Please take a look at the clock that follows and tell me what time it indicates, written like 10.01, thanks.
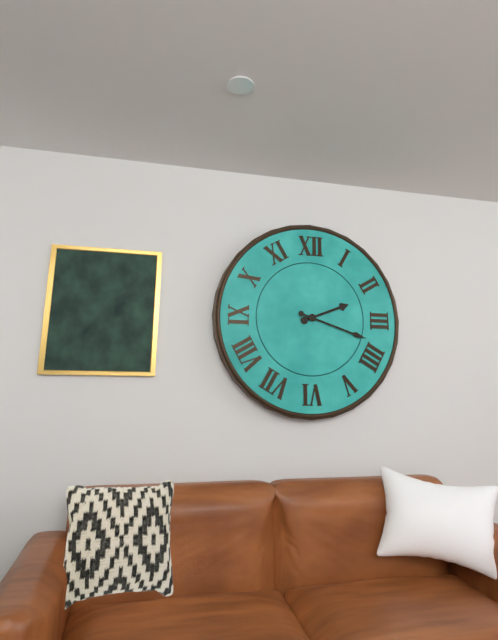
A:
2.18
